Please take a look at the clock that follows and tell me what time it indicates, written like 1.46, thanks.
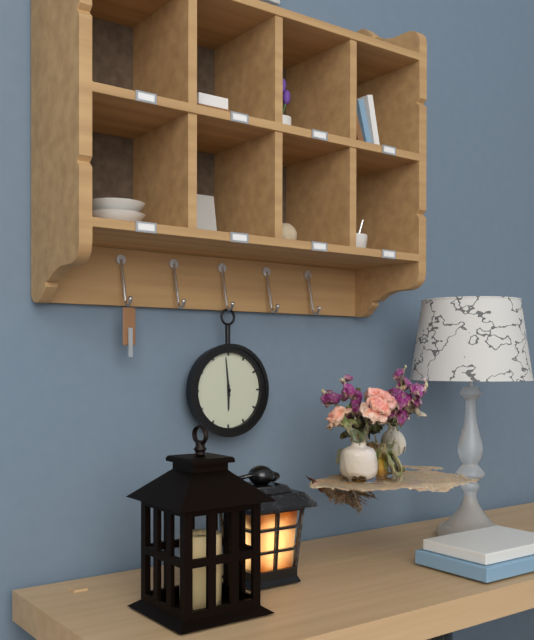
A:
5.59
